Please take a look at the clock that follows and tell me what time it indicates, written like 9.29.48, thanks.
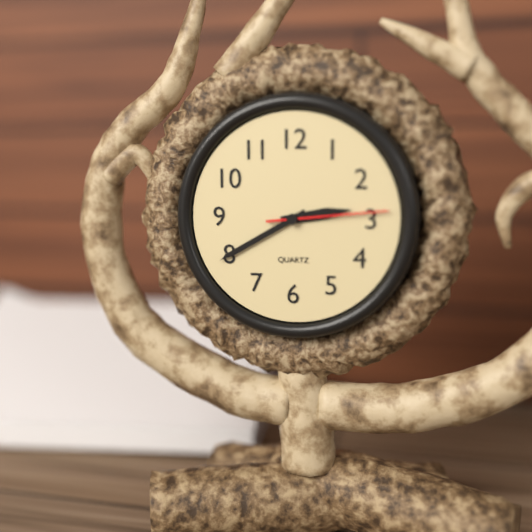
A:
2.40.14
